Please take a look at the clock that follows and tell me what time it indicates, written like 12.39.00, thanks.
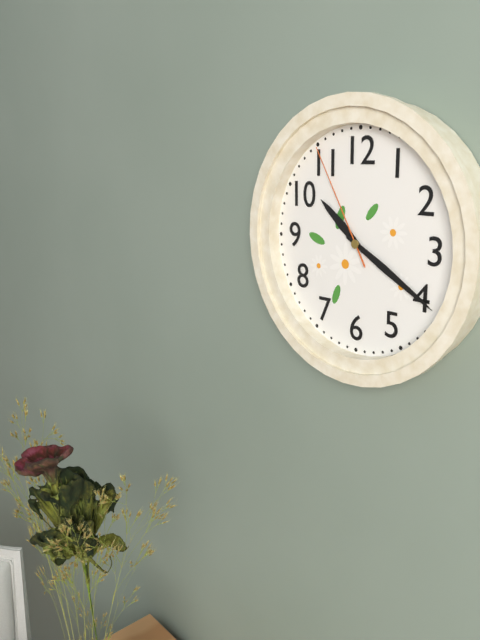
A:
10.20.55
